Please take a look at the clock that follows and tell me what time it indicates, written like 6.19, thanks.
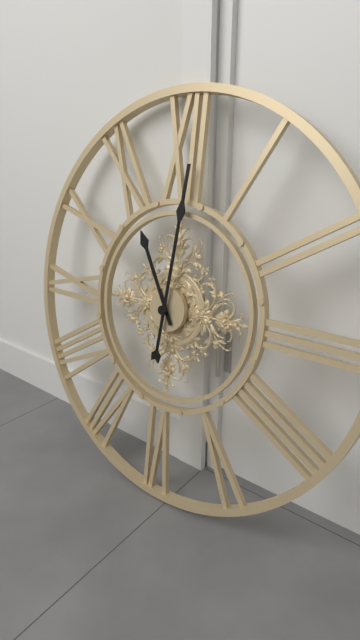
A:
11.01
